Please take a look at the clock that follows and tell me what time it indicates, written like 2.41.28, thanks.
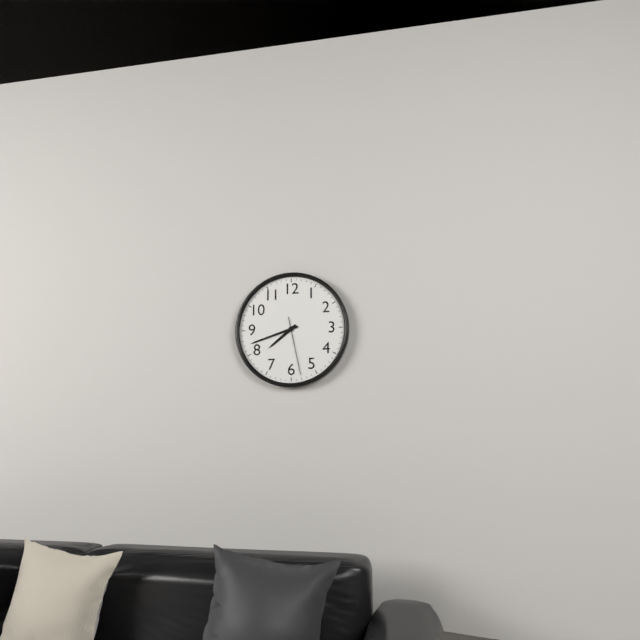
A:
7.42.28
